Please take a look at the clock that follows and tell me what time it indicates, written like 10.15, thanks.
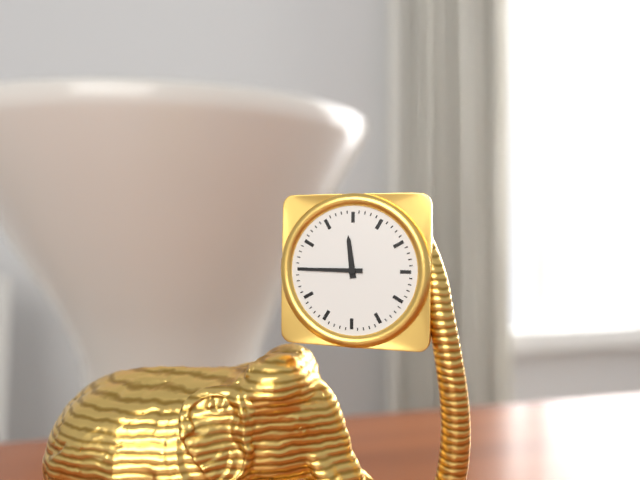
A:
11.45
